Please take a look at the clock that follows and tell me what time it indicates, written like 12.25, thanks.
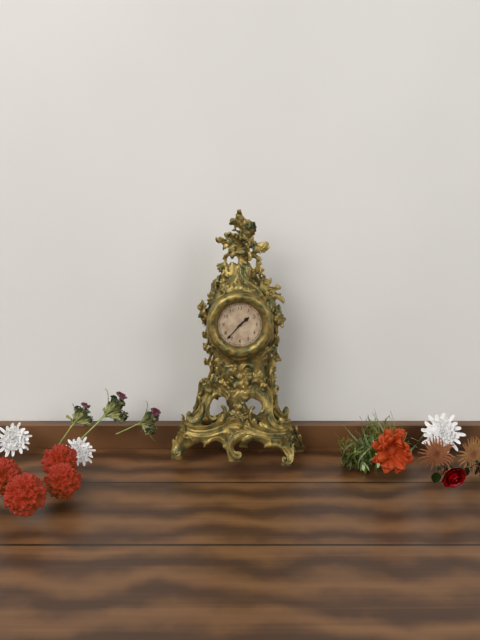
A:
1.37
